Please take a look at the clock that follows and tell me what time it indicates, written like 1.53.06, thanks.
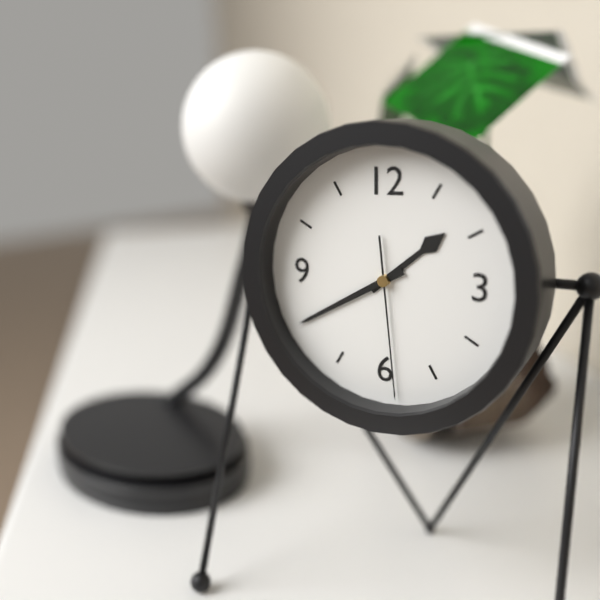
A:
1.40.29
